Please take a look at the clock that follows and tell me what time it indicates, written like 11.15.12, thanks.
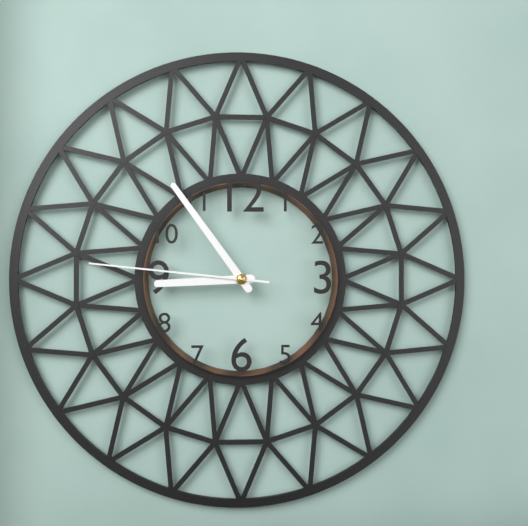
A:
8.54.46
